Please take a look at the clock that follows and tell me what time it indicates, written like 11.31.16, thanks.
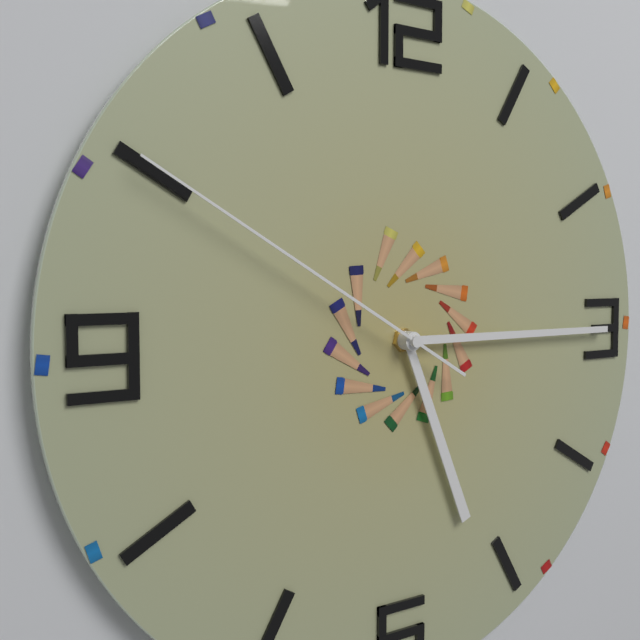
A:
5.15.50
